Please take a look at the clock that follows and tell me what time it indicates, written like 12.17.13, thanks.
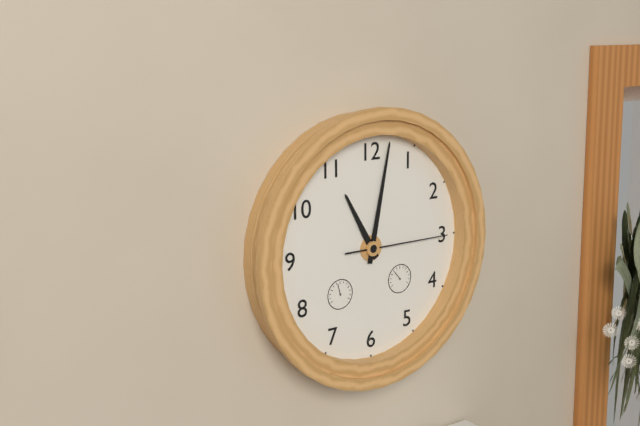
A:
11.02.15
